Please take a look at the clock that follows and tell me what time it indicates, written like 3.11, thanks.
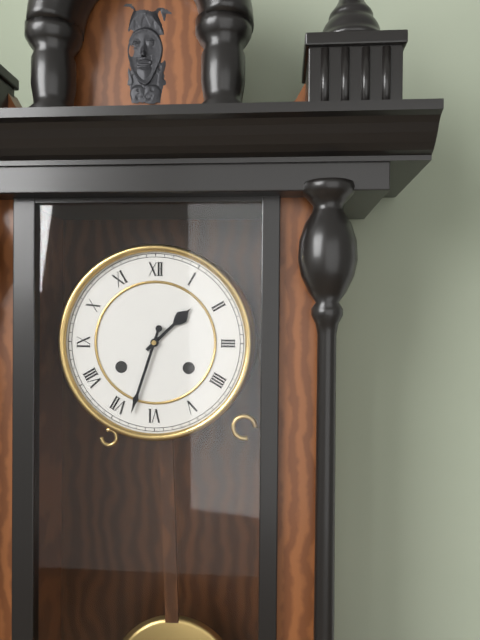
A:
1.33
